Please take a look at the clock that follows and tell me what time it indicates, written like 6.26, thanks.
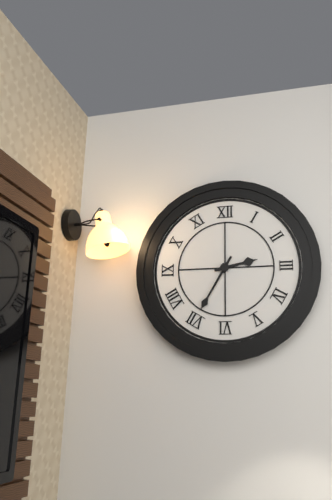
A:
2.35
